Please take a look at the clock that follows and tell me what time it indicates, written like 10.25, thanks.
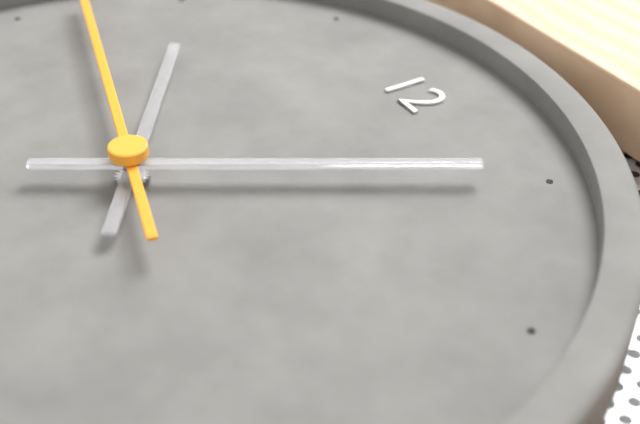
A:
10.05
